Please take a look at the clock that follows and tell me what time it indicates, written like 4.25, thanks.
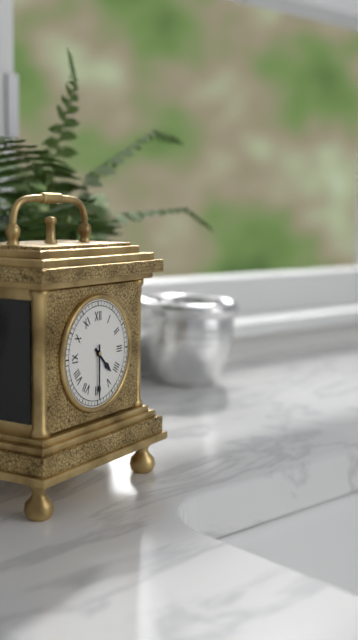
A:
4.30
